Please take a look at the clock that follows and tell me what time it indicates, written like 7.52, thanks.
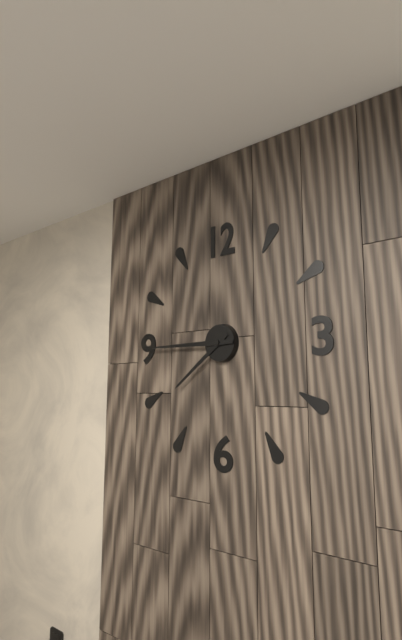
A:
7.45
